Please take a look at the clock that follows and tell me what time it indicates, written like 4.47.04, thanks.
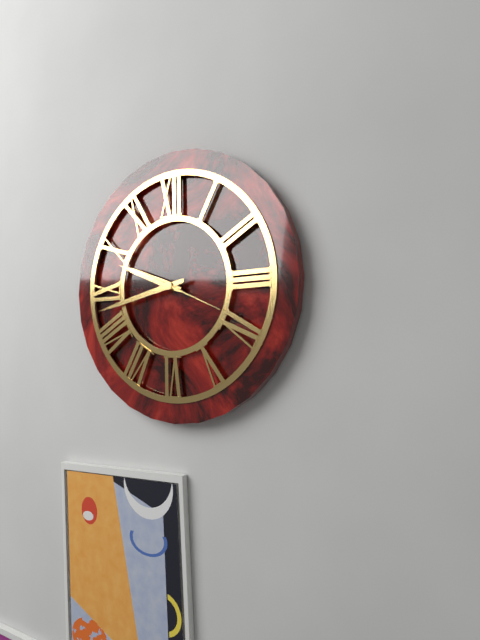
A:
9.43.19
